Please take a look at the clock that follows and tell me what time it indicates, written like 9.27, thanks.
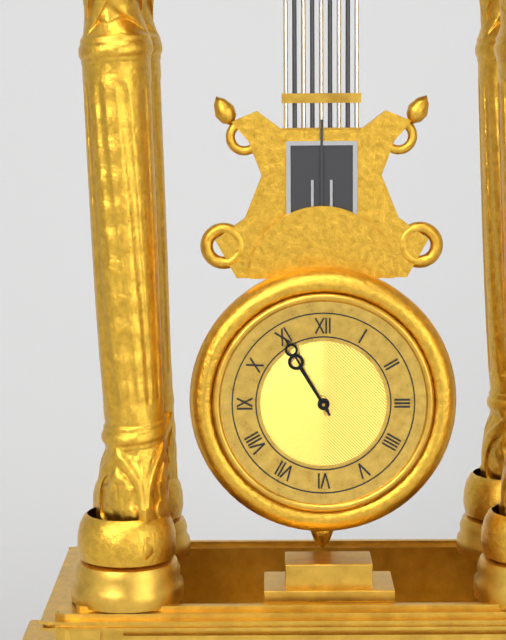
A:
10.55
